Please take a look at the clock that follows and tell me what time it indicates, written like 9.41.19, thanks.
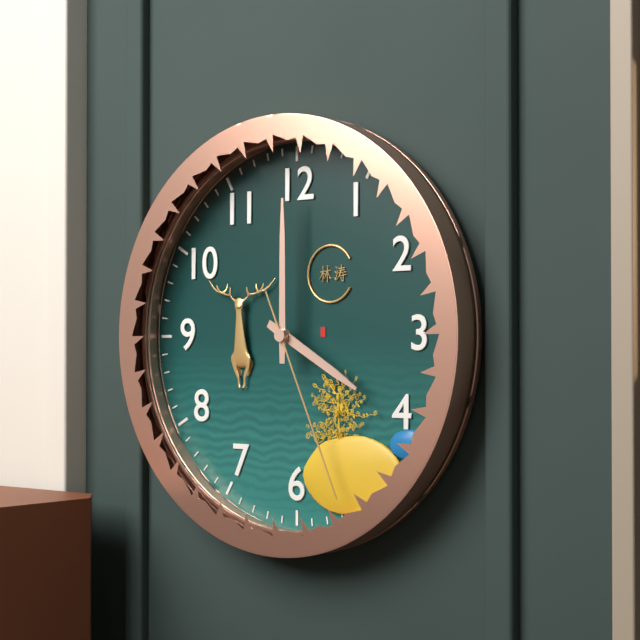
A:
4.00.26
